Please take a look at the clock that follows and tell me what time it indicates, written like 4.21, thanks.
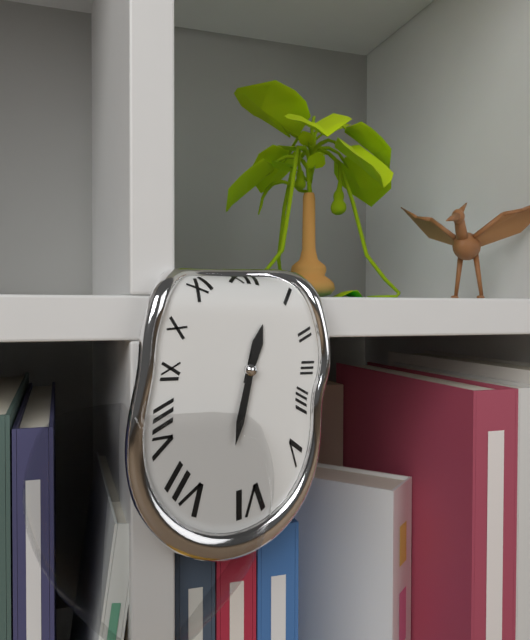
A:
12.32
